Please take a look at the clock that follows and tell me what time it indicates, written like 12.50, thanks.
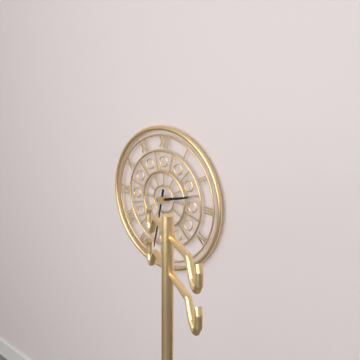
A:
2.32
